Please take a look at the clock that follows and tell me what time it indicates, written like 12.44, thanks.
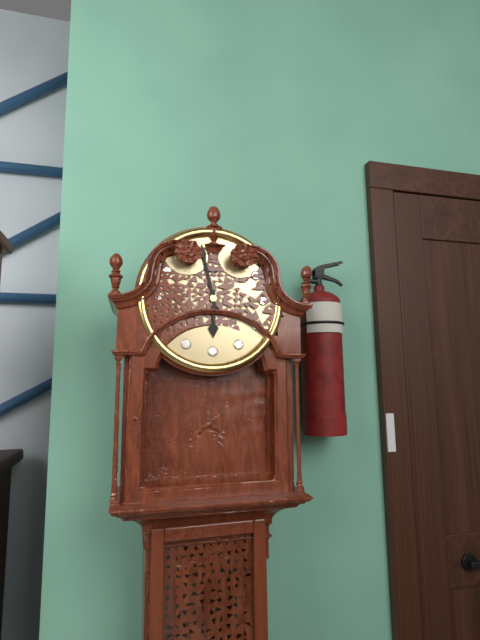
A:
5.58
